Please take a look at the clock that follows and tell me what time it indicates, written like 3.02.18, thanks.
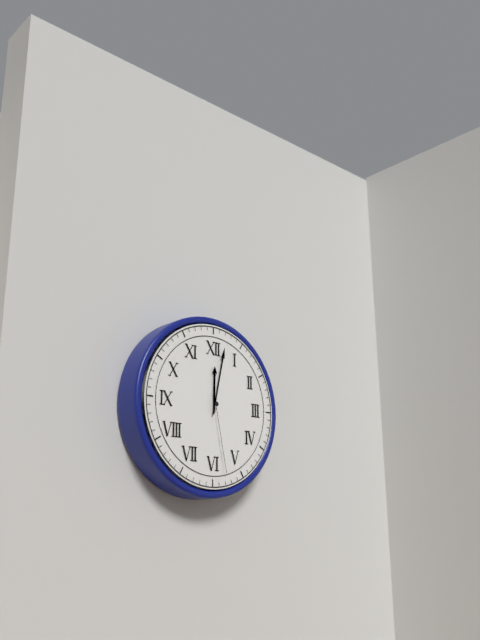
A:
12.02.28
